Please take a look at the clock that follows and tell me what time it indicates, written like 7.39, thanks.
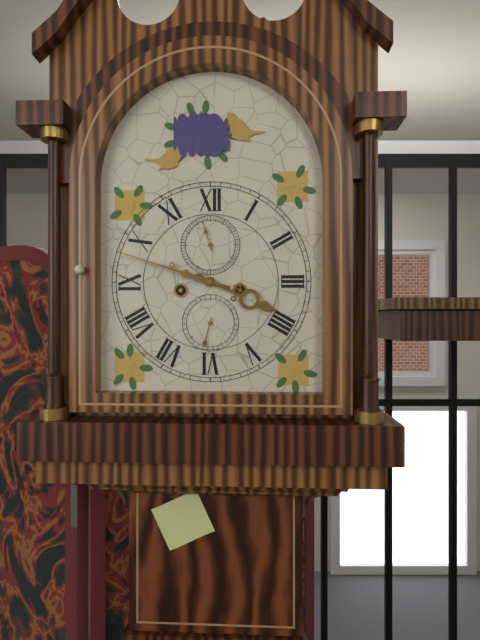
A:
3.48
